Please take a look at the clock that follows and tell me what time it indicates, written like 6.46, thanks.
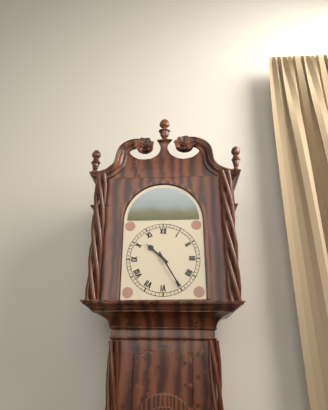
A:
10.25
